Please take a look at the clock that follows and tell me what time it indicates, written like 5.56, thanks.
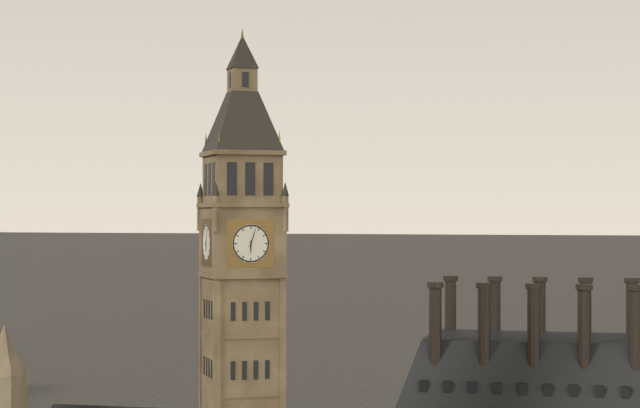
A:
6.03
